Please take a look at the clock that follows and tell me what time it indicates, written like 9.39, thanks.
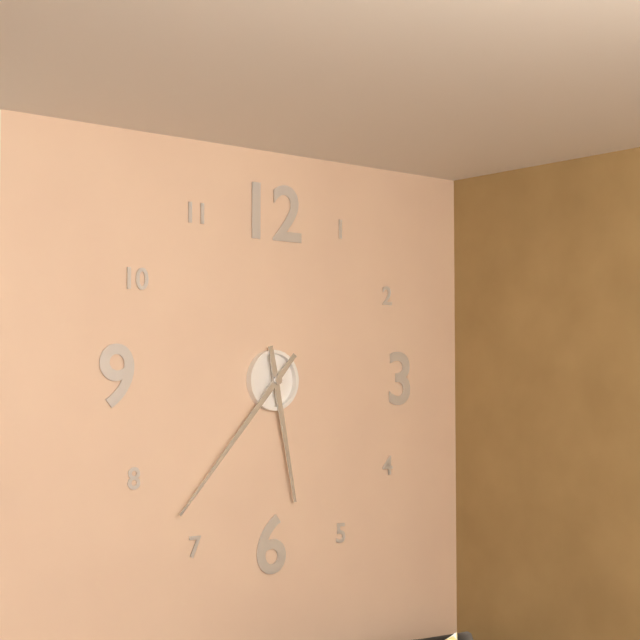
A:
5.37
